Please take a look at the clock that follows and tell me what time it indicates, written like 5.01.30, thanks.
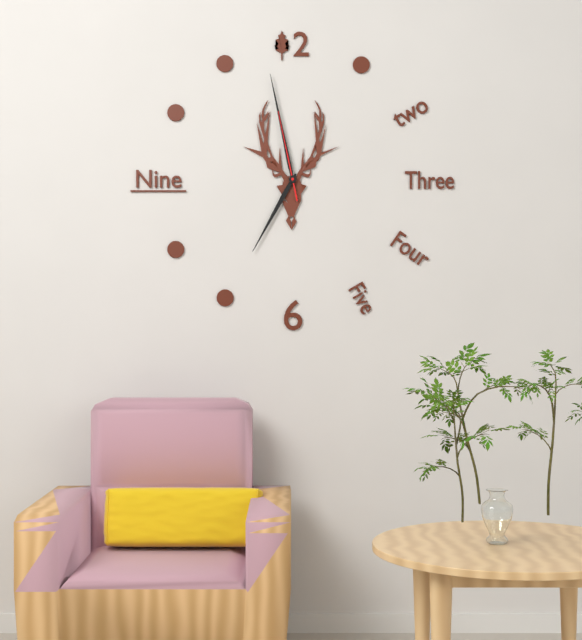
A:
6.58.58
